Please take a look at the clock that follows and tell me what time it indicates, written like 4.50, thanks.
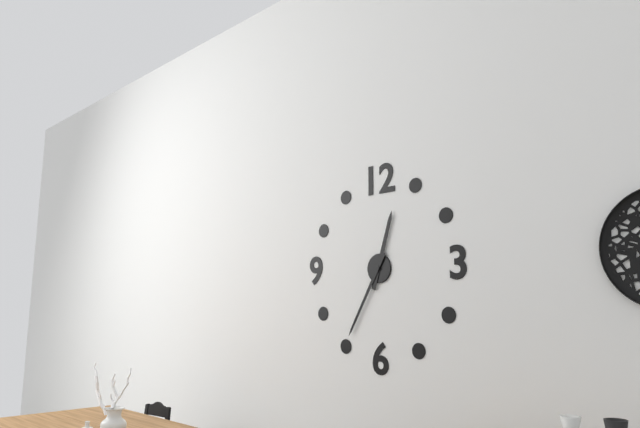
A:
12.35
